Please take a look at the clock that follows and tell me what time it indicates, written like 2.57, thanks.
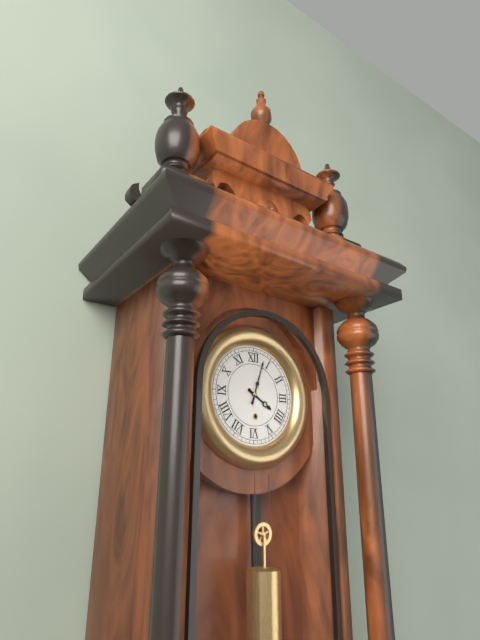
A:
4.03
